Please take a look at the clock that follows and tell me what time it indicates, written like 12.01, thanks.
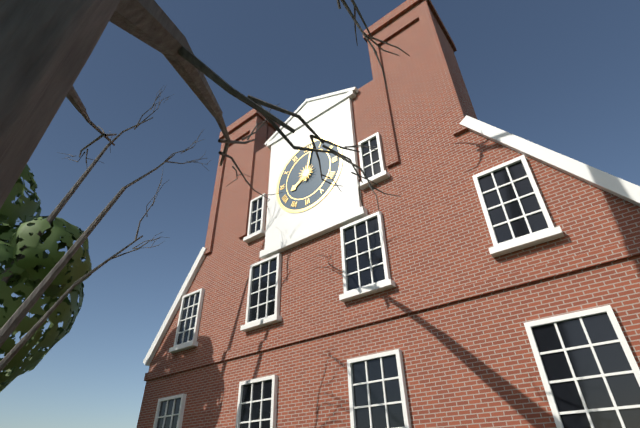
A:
8.02
